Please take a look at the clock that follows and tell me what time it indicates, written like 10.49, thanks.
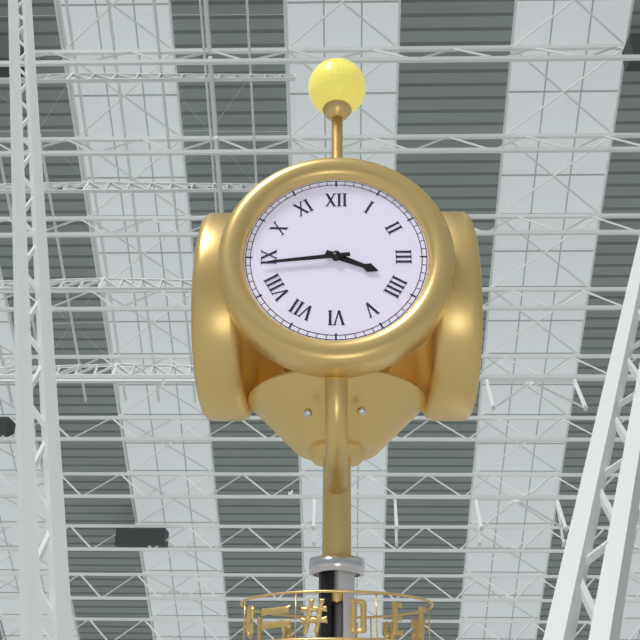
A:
3.44
